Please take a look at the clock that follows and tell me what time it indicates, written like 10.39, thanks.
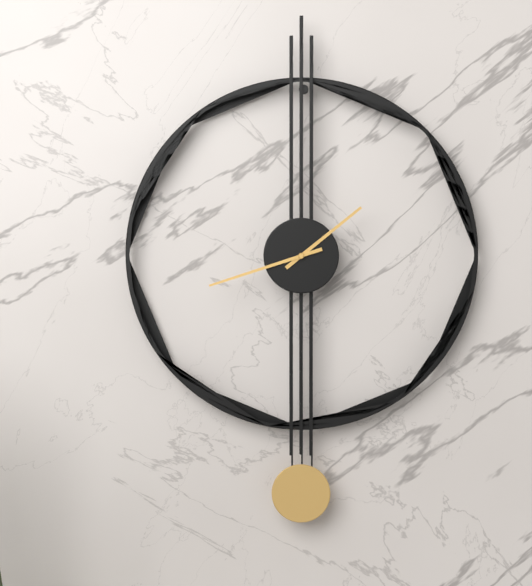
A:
1.42
